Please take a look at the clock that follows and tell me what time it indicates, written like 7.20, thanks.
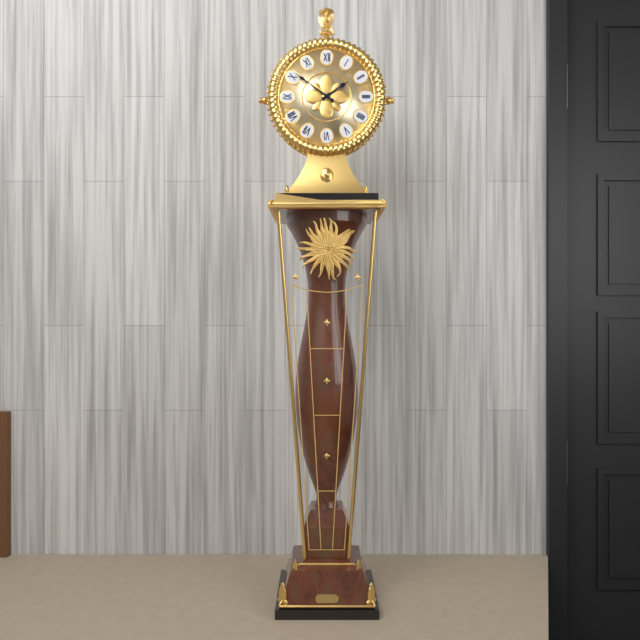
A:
1.51
